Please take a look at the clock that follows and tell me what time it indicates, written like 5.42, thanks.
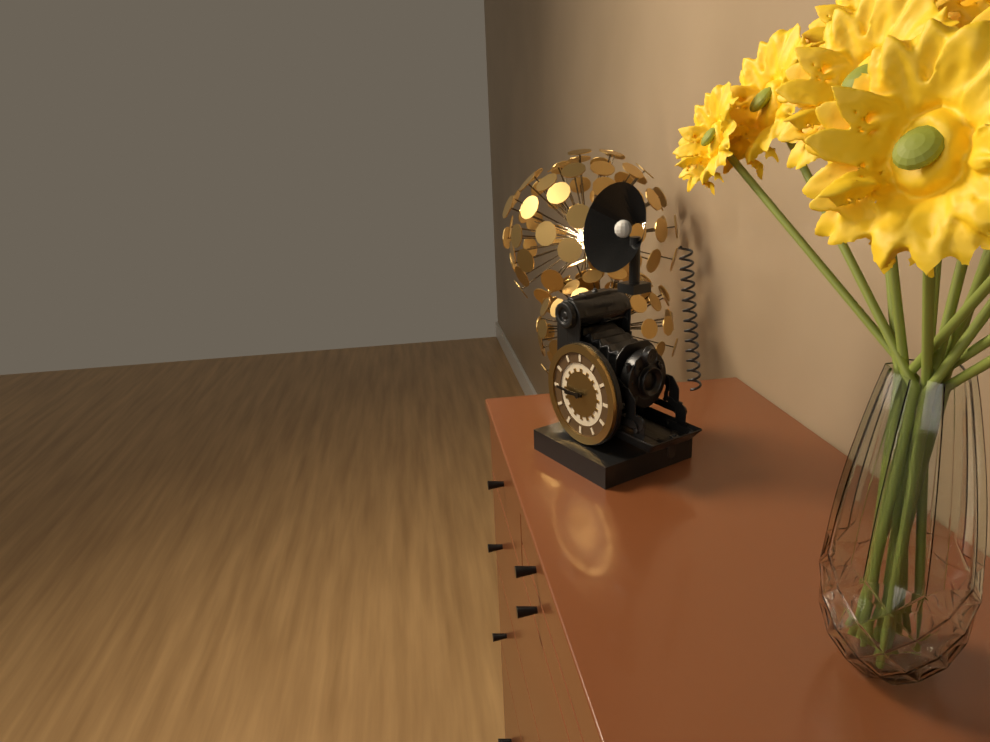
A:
8.45
